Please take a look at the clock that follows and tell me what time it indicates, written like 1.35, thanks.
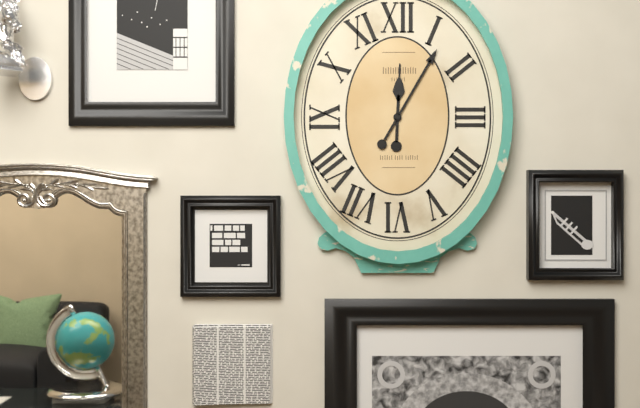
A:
12.05
